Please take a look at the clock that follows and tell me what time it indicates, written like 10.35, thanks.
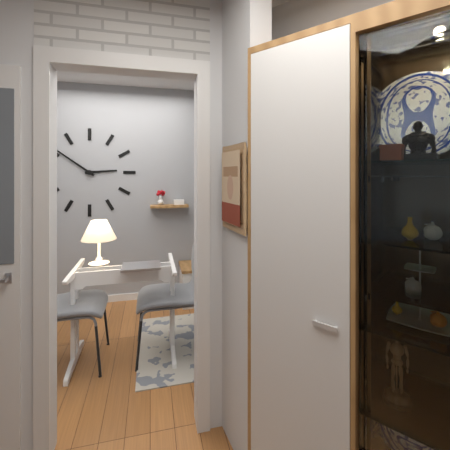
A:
2.51
